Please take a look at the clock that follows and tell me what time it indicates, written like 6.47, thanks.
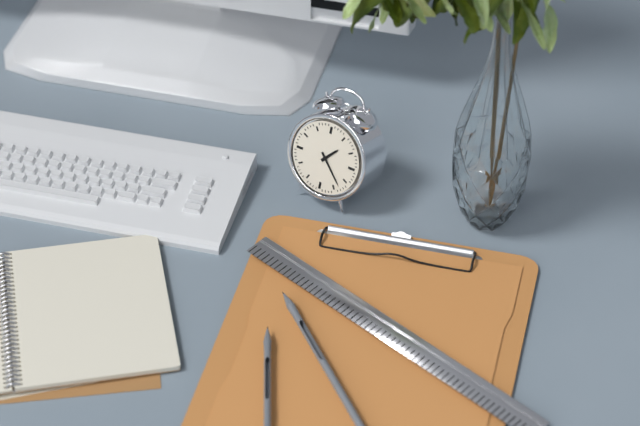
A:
1.23
